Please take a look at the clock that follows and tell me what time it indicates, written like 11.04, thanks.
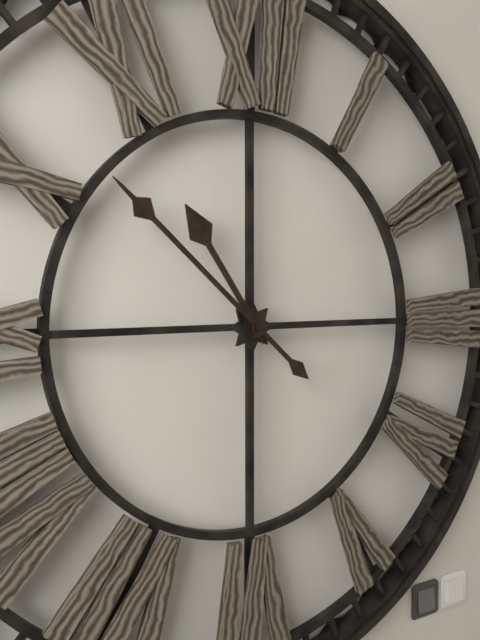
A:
10.52
